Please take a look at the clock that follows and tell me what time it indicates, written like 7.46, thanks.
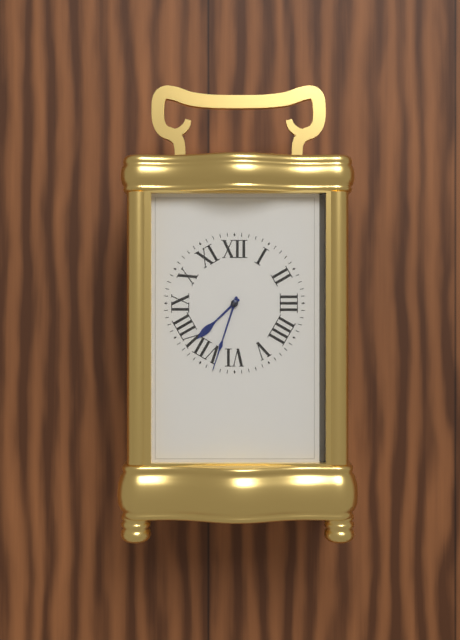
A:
7.33
